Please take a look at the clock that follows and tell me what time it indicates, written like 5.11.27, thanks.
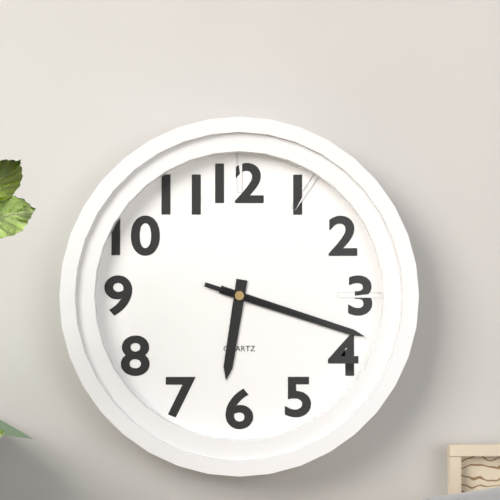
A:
6.18.18
